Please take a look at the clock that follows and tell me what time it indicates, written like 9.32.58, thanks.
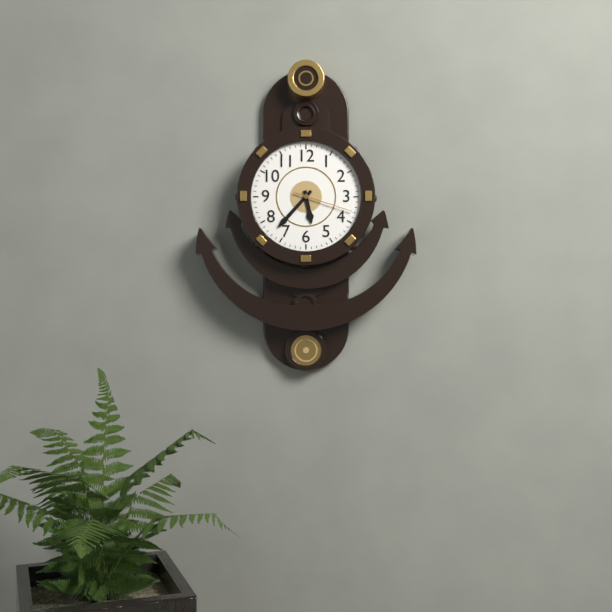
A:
5.37.18
